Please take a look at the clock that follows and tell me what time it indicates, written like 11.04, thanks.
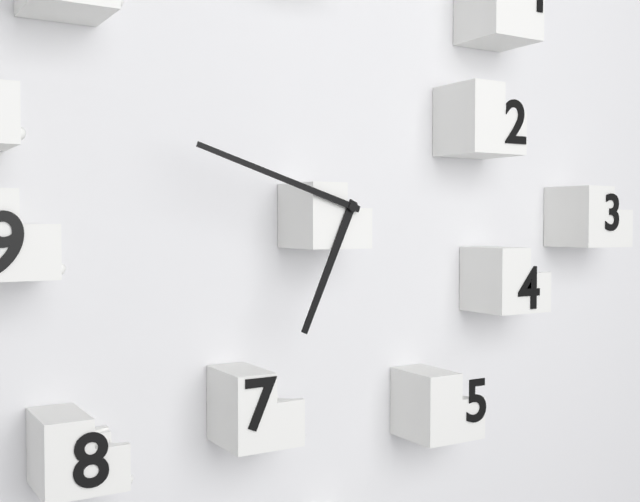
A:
6.48
